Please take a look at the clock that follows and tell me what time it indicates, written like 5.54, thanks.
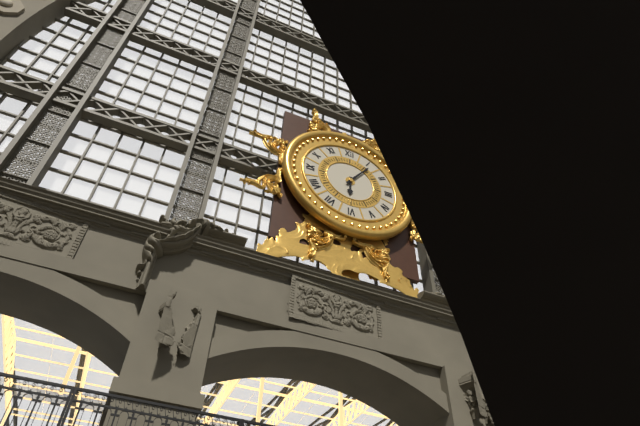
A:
6.06
